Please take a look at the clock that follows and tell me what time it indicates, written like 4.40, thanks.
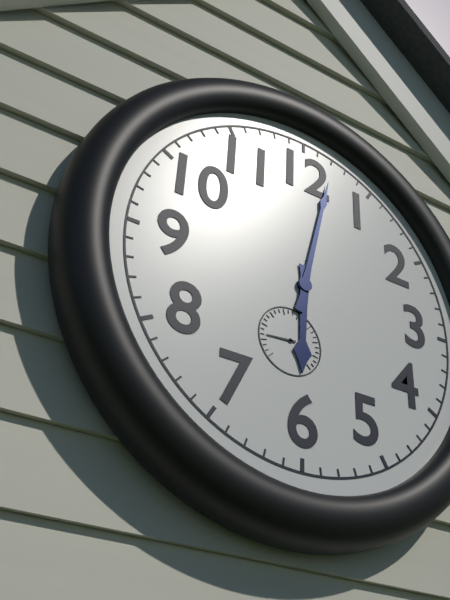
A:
6.02
